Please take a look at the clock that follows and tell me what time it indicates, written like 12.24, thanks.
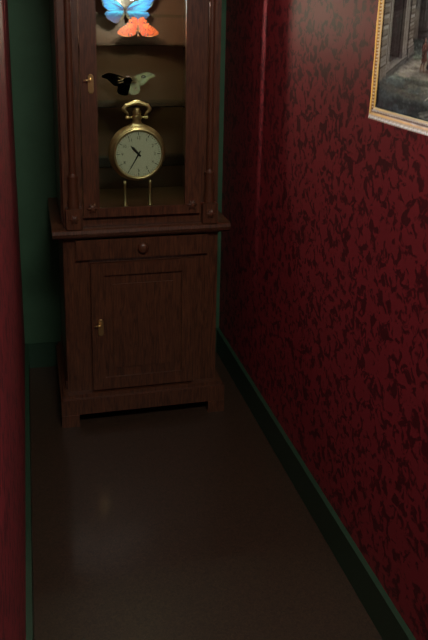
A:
10.35
